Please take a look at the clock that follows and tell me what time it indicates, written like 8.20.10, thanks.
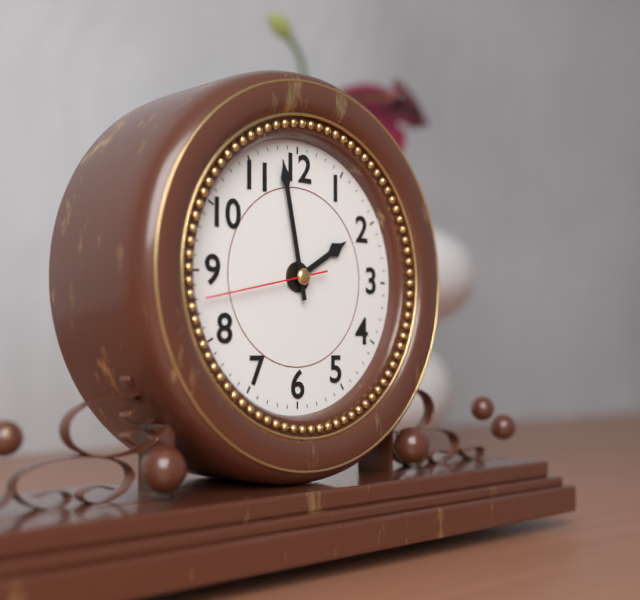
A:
1.58.43
